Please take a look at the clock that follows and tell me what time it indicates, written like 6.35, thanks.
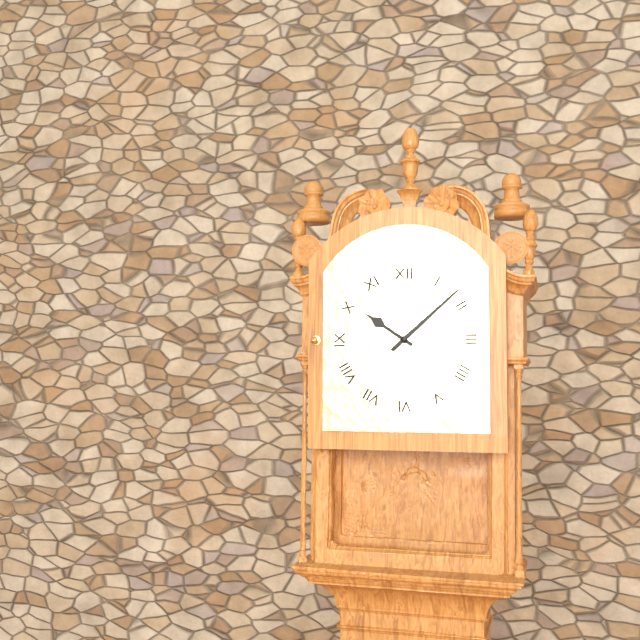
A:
10.08
